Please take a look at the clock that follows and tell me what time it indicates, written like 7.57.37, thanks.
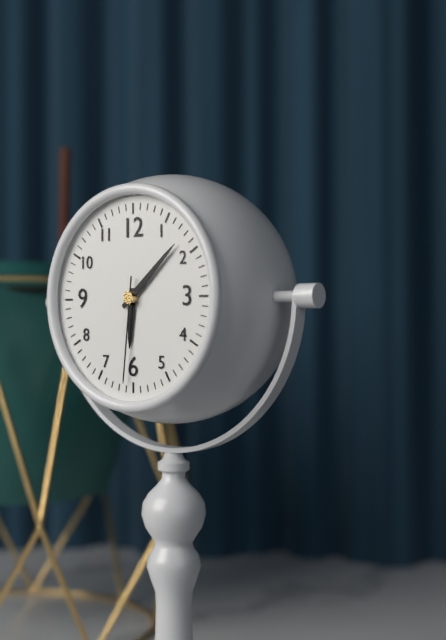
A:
6.08.31
